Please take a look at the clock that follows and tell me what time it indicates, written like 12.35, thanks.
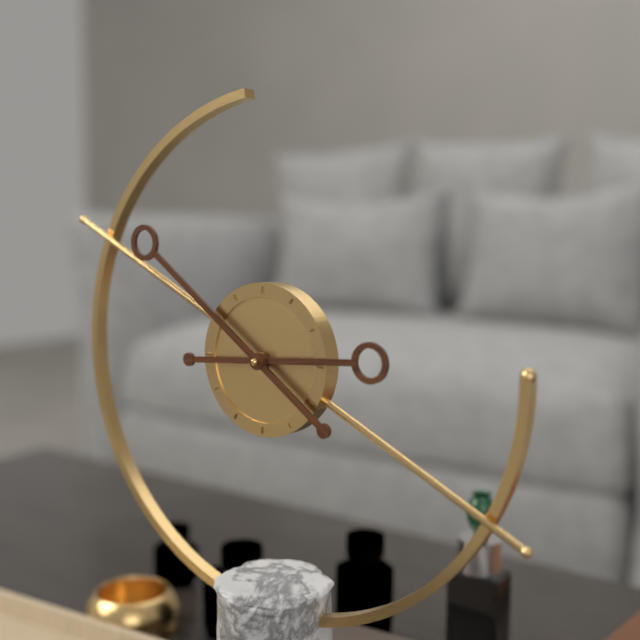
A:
2.51
